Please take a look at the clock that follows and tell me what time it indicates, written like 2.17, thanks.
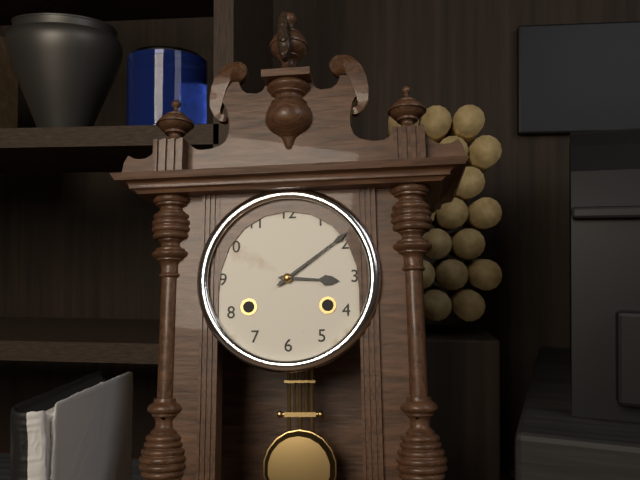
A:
3.09
